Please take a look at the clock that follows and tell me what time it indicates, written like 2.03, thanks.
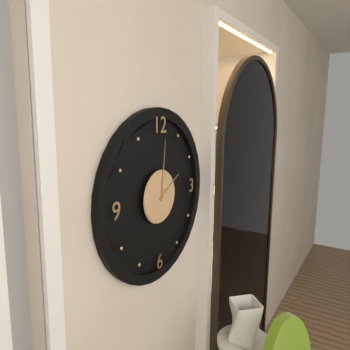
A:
2.01
